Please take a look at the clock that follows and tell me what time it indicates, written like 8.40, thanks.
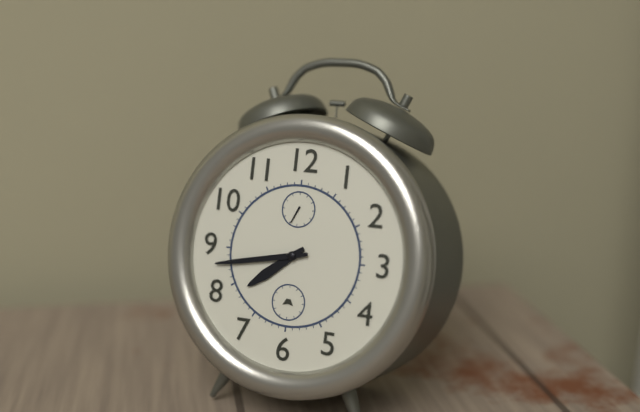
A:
7.43
